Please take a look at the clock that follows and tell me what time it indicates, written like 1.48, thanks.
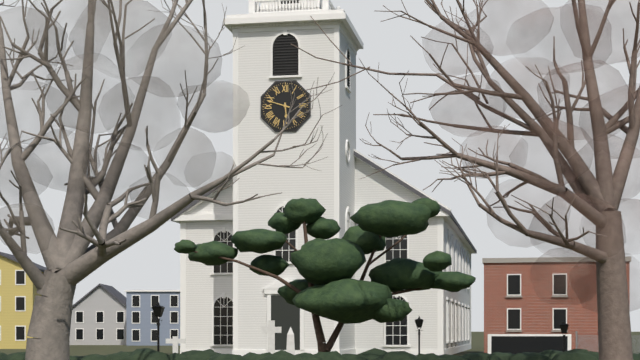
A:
5.48
